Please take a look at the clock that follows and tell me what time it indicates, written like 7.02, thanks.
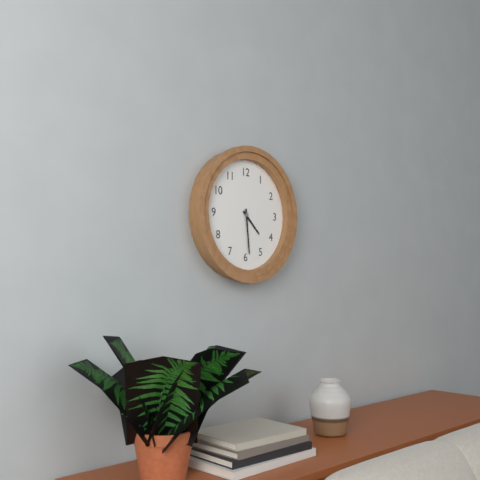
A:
4.29
